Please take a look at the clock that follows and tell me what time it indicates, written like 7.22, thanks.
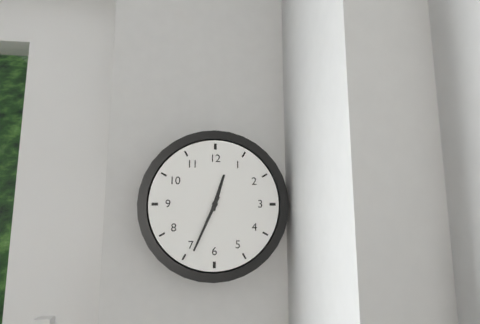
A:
12.34
